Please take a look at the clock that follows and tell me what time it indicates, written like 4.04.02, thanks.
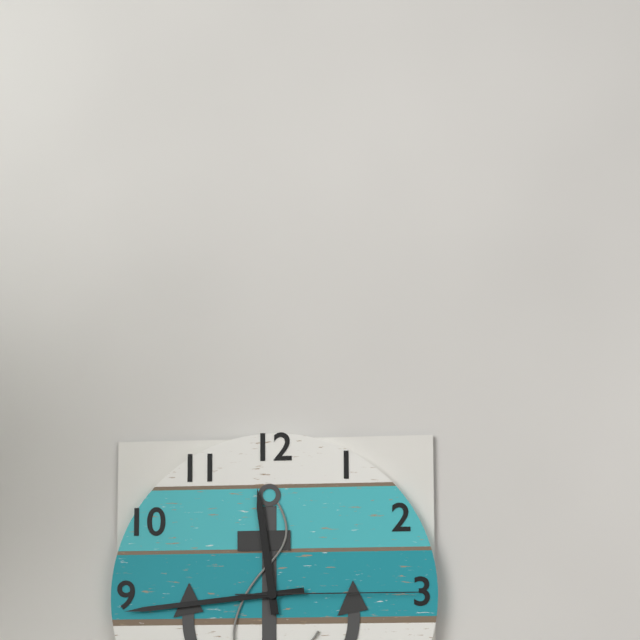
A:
11.44.15
